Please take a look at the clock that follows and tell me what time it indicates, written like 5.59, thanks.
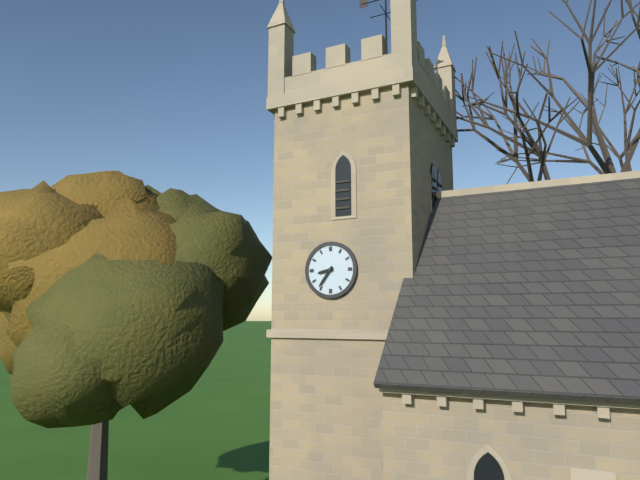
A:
8.36
